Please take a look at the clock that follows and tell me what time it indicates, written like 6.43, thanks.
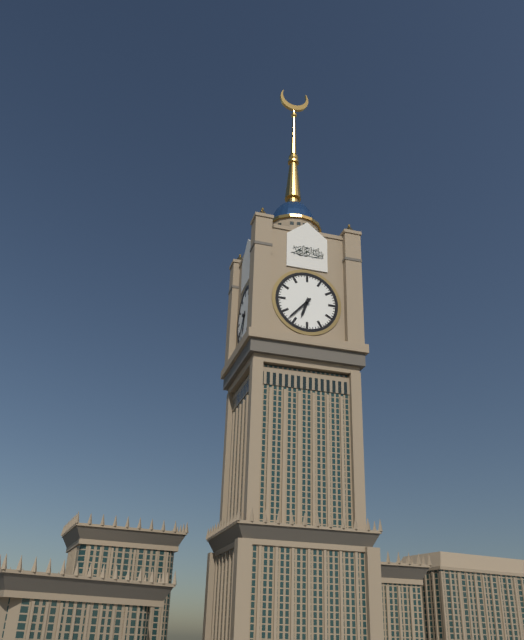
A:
6.37
